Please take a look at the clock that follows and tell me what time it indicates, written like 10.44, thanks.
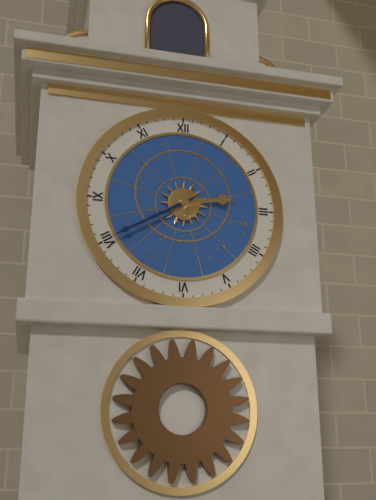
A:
2.40
